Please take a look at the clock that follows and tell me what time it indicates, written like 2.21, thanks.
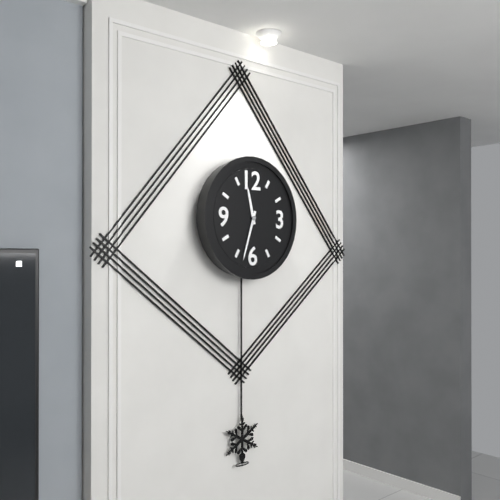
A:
11.33
